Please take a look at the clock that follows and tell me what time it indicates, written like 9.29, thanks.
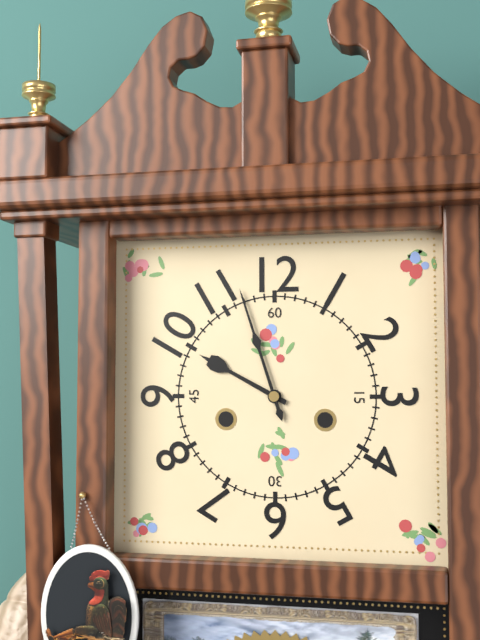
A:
9.57
